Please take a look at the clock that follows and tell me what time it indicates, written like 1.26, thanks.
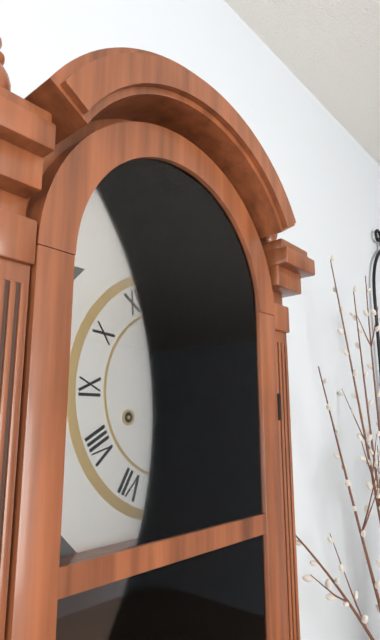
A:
12.15
